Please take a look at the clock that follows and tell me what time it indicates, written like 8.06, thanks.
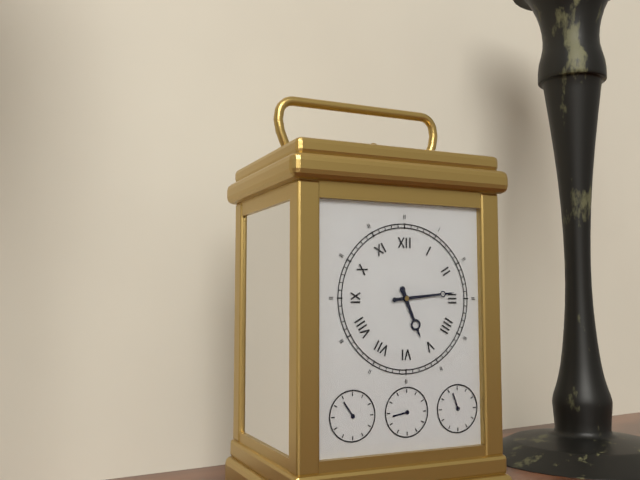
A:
5.14
